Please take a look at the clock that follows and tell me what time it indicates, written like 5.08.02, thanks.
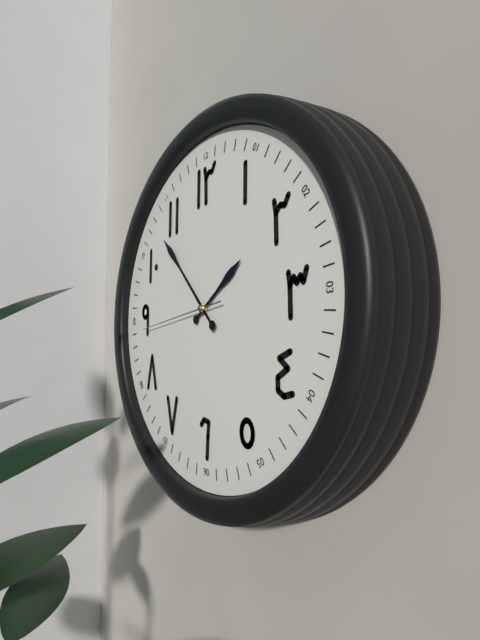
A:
1.53.44
